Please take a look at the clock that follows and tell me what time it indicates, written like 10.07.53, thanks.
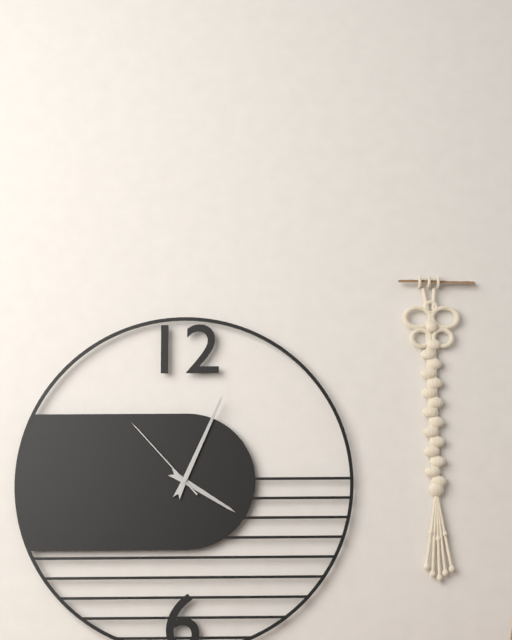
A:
4.04.53
